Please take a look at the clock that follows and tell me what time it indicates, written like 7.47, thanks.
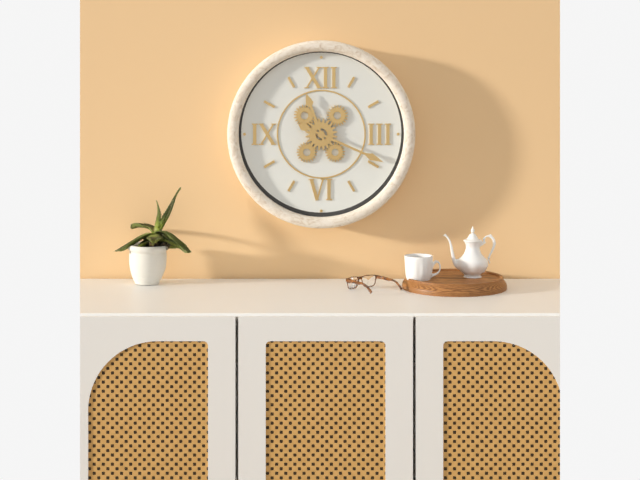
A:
11.19
